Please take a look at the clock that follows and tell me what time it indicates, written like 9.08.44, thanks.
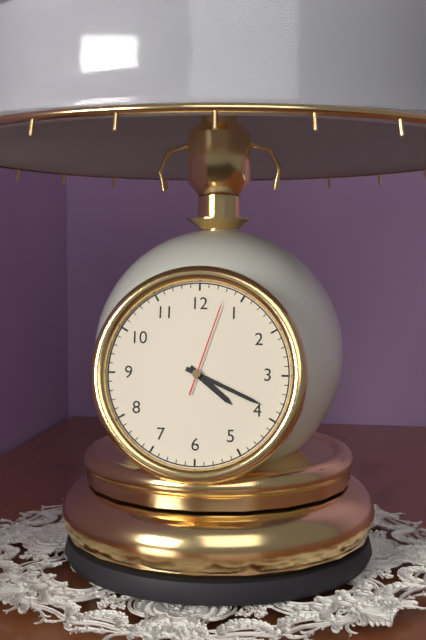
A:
4.19.03
